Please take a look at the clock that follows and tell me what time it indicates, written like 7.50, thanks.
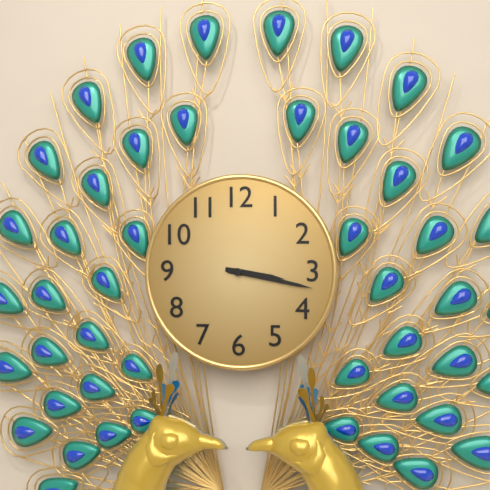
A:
3.17
